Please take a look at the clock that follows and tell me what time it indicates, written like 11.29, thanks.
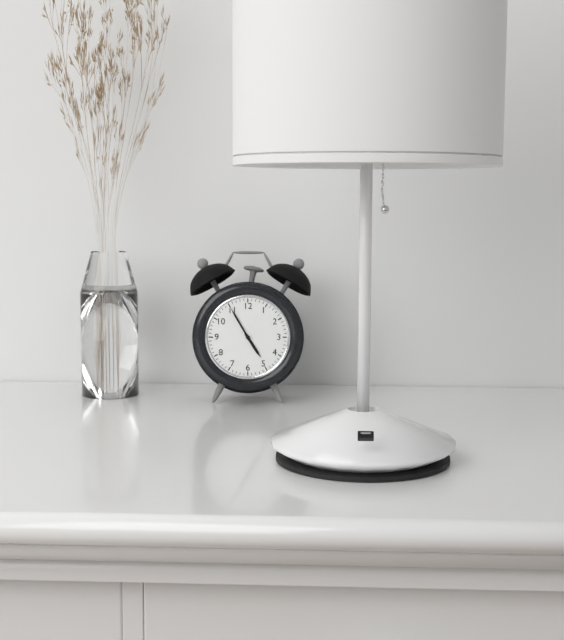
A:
4.55
